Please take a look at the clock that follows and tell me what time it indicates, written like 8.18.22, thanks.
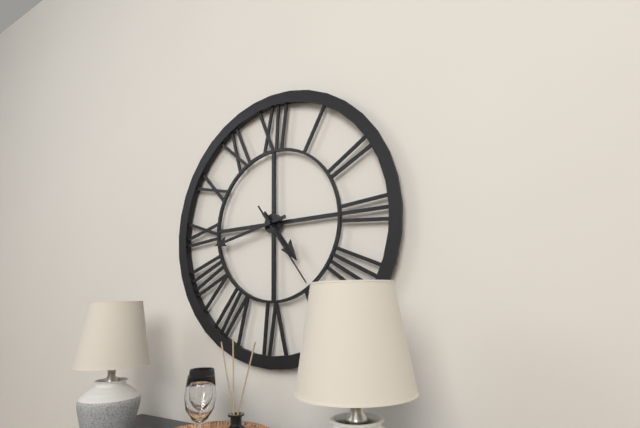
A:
4.43.24
